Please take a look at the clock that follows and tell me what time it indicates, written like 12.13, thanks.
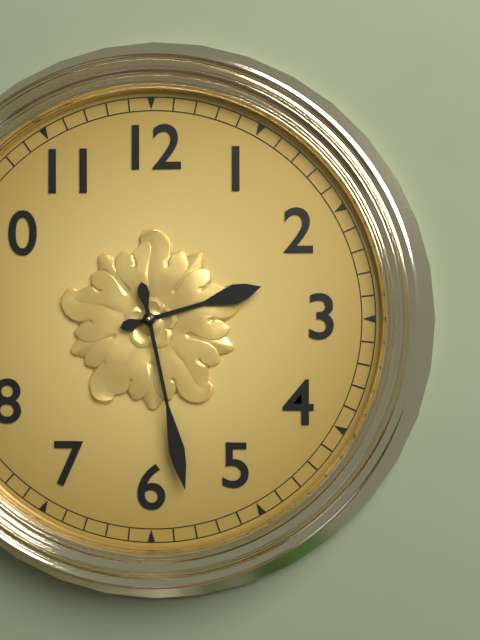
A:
2.28
